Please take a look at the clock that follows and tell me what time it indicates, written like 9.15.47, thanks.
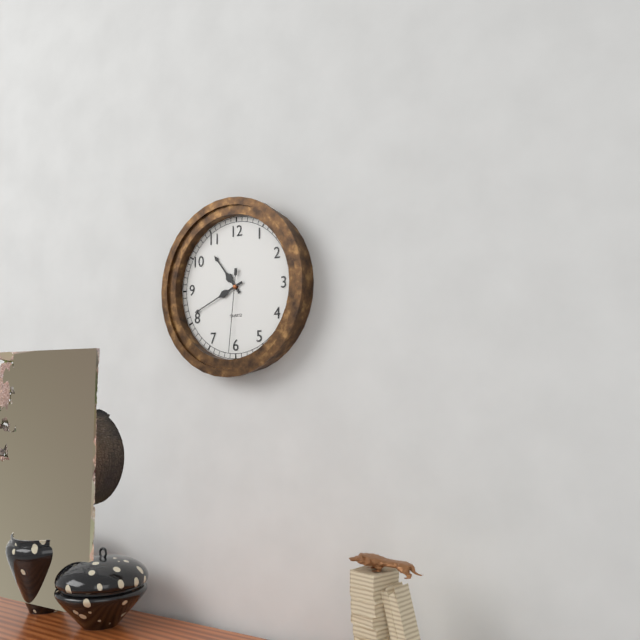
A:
10.41.31
